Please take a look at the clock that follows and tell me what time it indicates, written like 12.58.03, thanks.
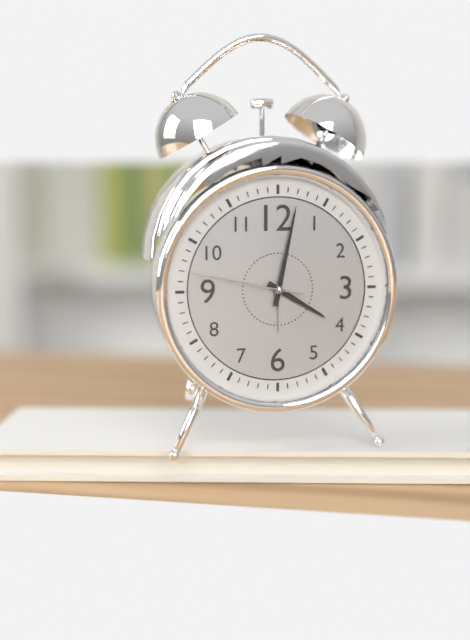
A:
4.02.47
